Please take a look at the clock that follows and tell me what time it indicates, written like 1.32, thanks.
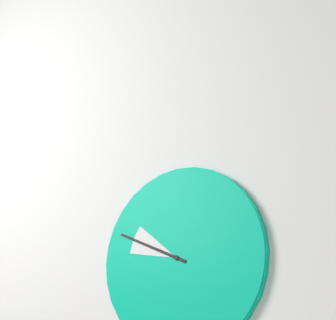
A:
9.49
